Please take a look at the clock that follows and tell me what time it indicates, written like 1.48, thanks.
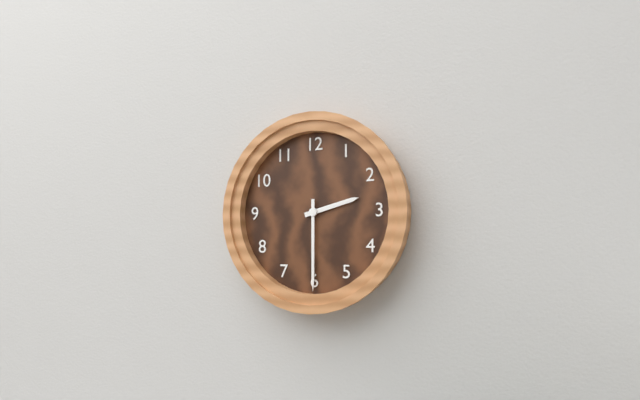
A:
2.30
